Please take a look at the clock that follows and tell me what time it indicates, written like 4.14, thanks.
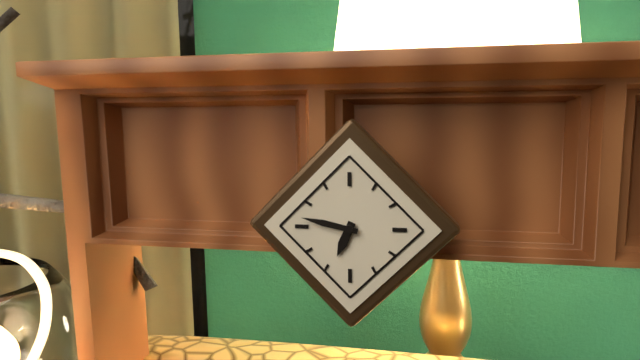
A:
6.47
